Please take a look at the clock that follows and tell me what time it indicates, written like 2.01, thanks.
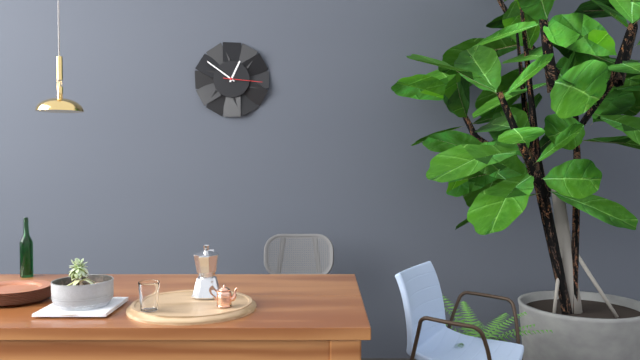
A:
12.51
